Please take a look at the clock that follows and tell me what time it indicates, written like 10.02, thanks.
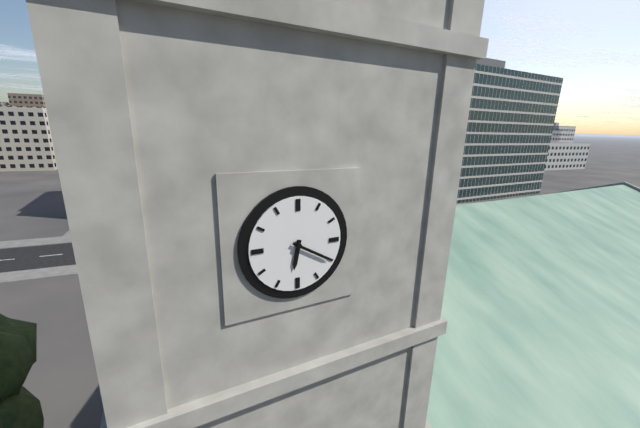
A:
6.20
